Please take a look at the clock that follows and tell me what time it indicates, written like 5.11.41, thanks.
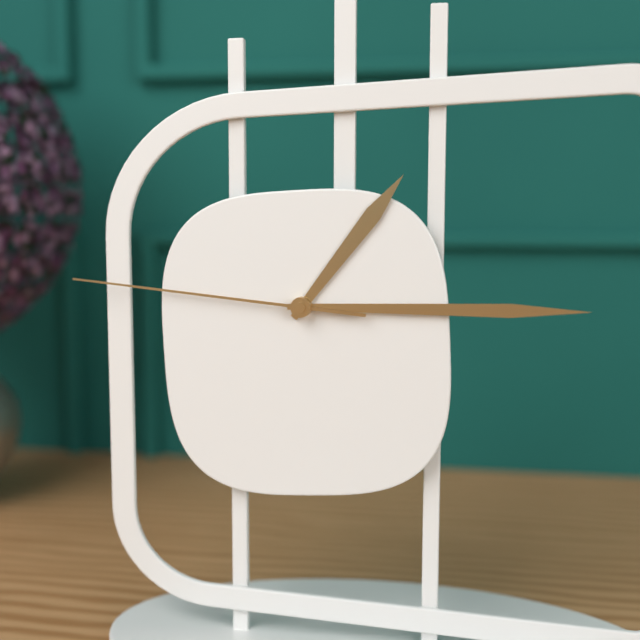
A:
1.15.46
